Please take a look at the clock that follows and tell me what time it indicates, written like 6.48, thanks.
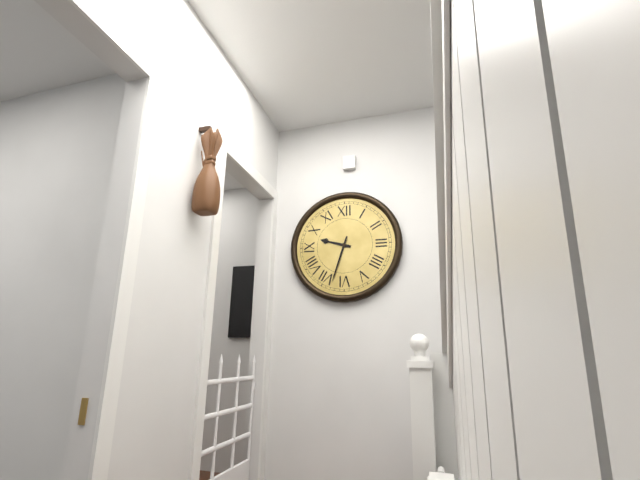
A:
9.33
